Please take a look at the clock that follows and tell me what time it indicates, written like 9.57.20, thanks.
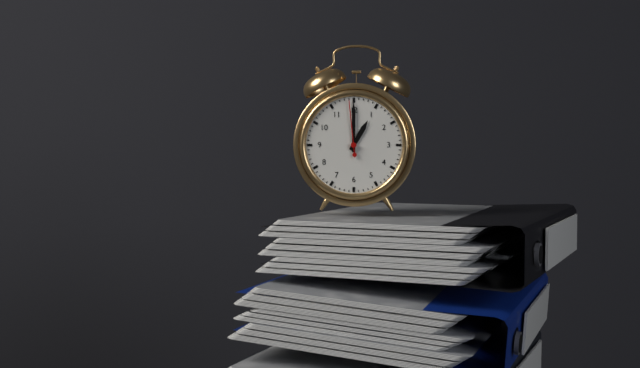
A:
1.00.59
